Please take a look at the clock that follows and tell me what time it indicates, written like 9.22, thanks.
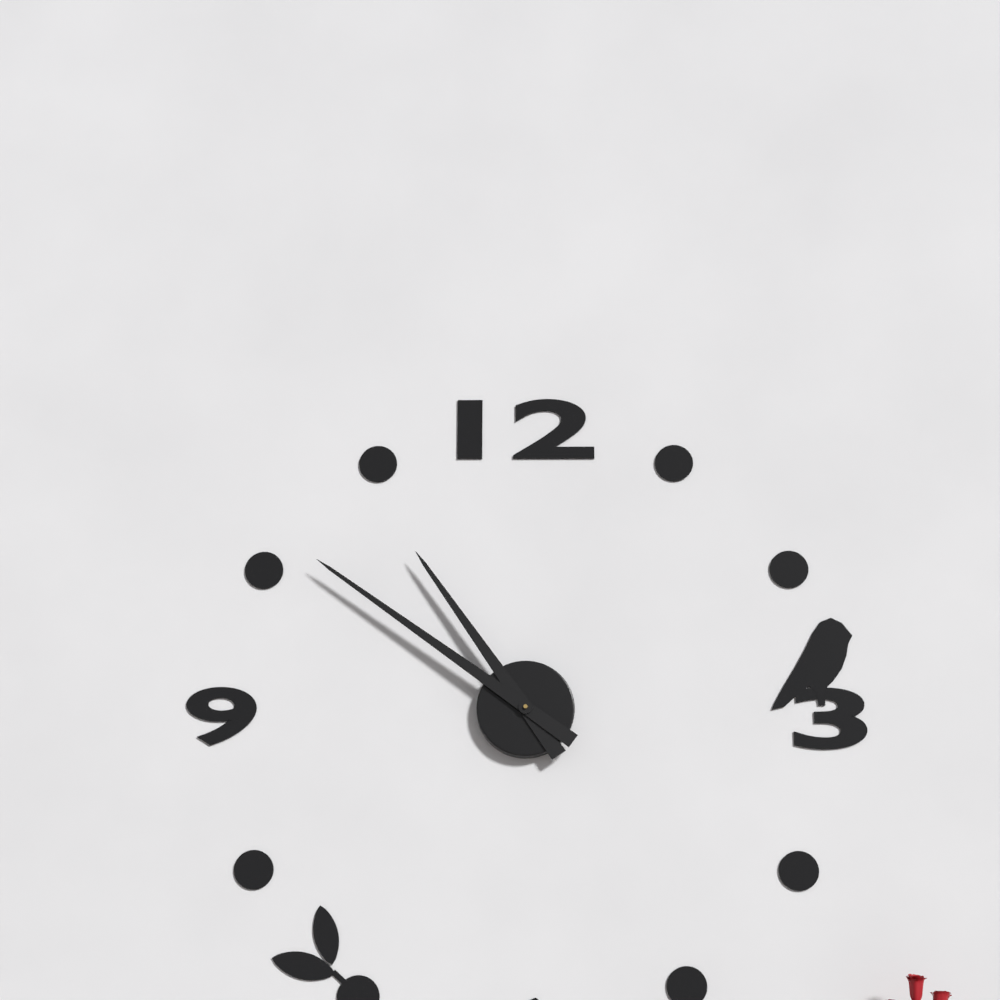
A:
10.51
